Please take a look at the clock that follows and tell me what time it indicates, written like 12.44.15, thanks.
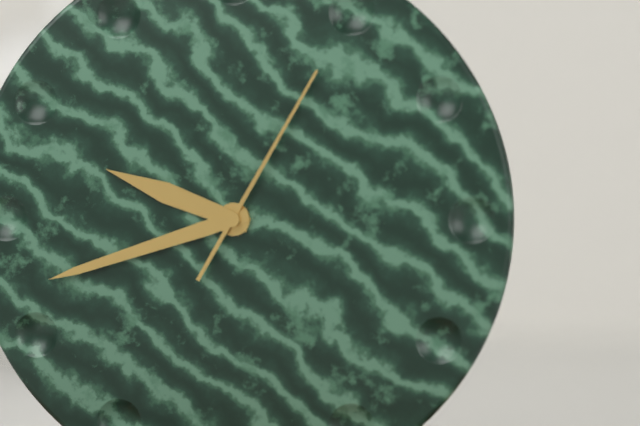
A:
9.42.05
